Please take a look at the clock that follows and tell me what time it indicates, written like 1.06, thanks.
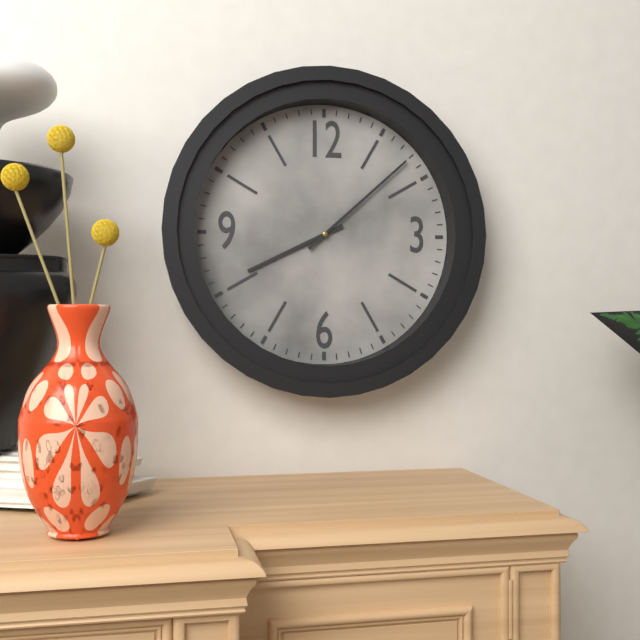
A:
8.08
